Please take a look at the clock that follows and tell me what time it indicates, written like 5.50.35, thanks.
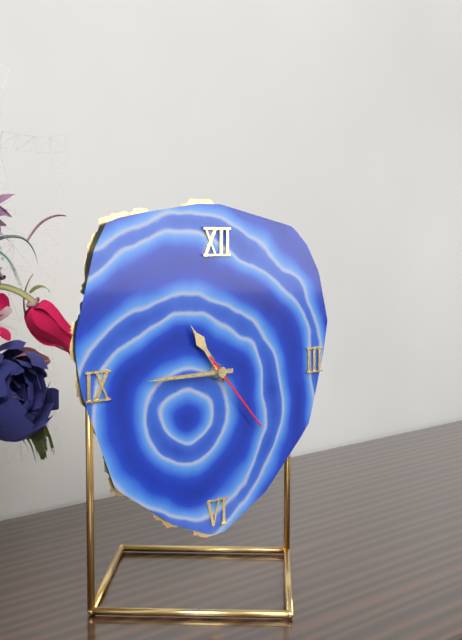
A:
10.45.23
